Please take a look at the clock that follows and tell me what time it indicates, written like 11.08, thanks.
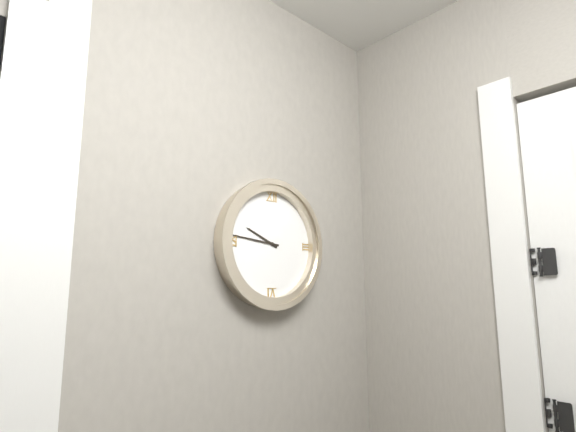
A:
9.46
